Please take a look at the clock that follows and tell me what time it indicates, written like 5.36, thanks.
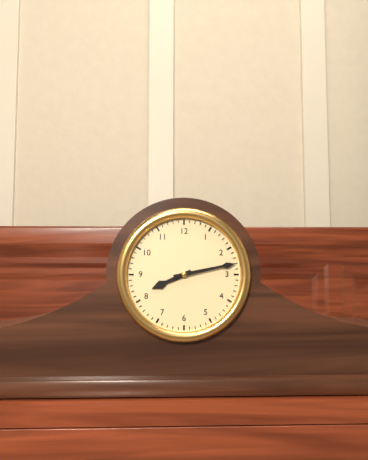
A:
8.13
